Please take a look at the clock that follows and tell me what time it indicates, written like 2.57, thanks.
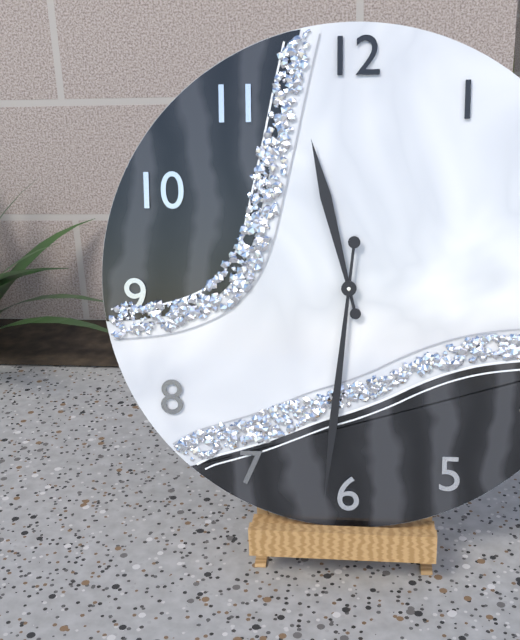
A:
11.31
